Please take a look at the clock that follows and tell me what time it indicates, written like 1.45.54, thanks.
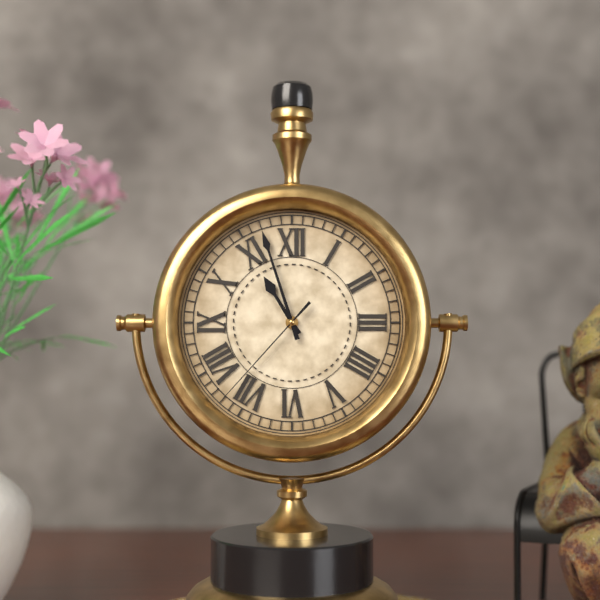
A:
10.57.37
